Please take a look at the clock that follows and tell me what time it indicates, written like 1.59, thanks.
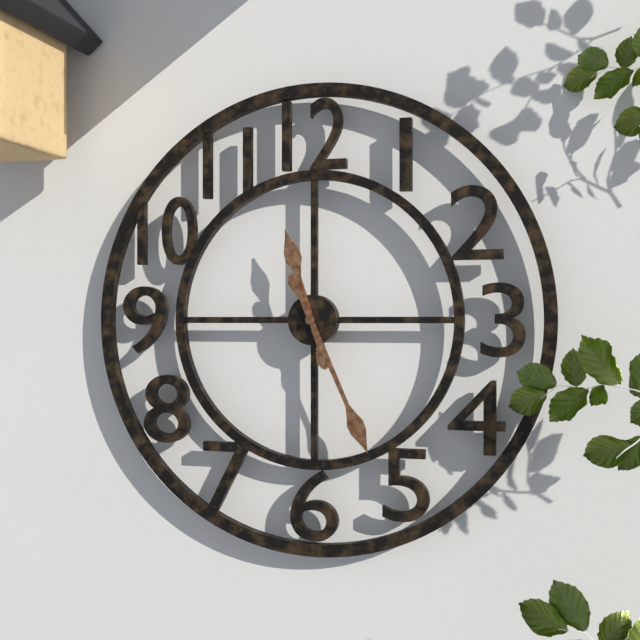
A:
11.26
